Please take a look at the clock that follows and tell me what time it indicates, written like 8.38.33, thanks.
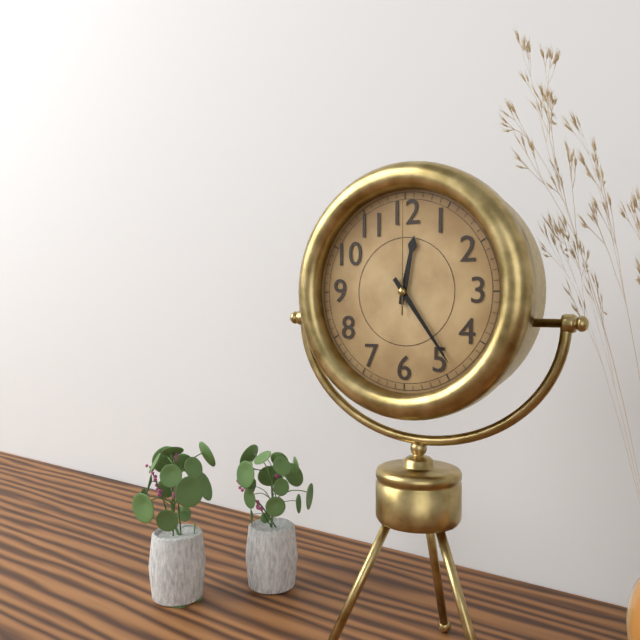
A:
12.24.00
